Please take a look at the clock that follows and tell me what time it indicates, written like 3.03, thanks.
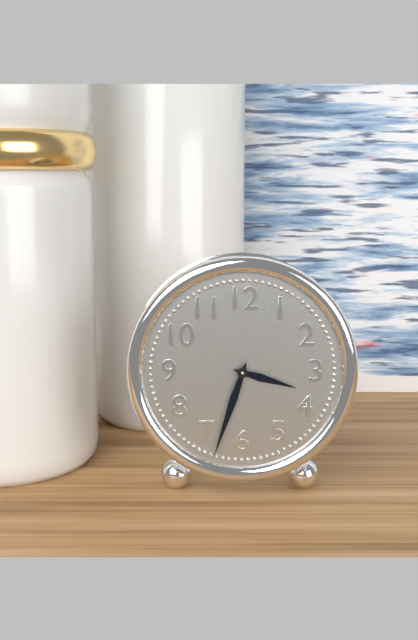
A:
3.33
